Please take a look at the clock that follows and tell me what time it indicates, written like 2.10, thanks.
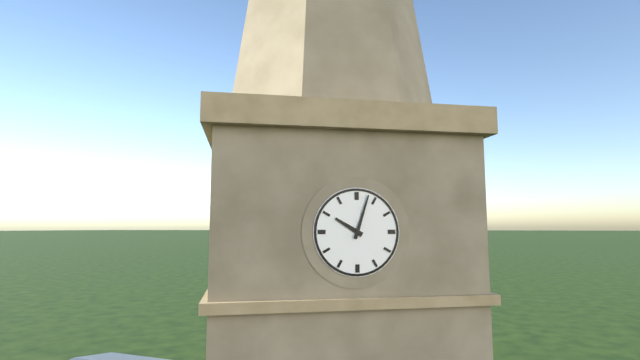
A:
10.03
